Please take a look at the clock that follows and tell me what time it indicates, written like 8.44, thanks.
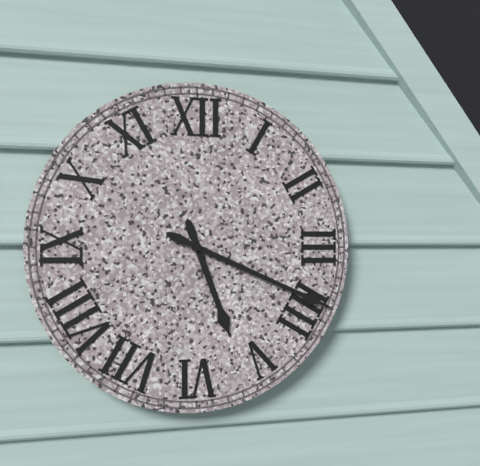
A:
5.19
